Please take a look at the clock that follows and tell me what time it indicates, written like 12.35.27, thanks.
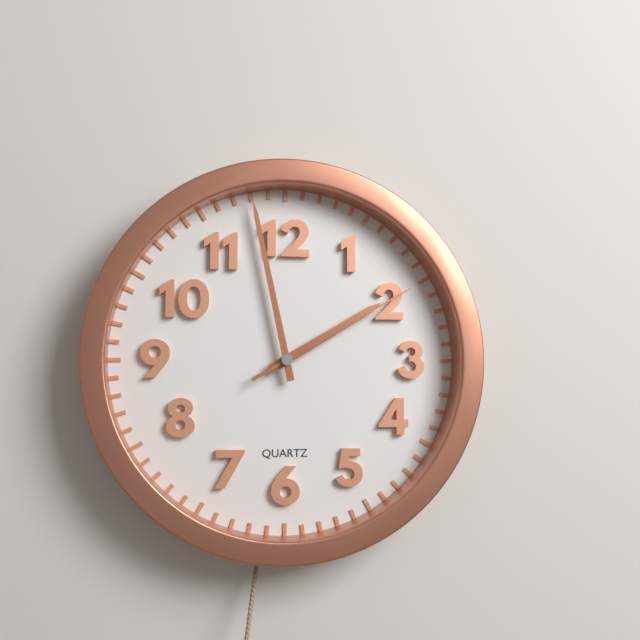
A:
1.58.10
